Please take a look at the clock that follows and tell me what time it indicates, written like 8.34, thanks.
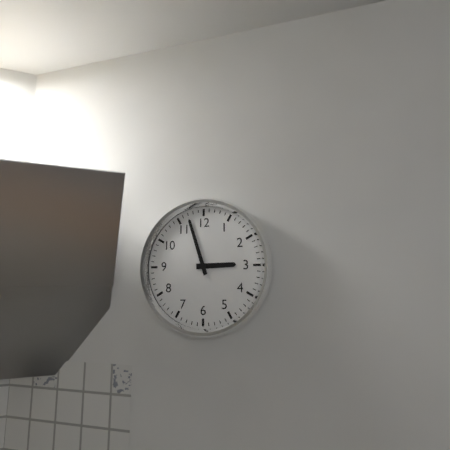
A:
2.57
